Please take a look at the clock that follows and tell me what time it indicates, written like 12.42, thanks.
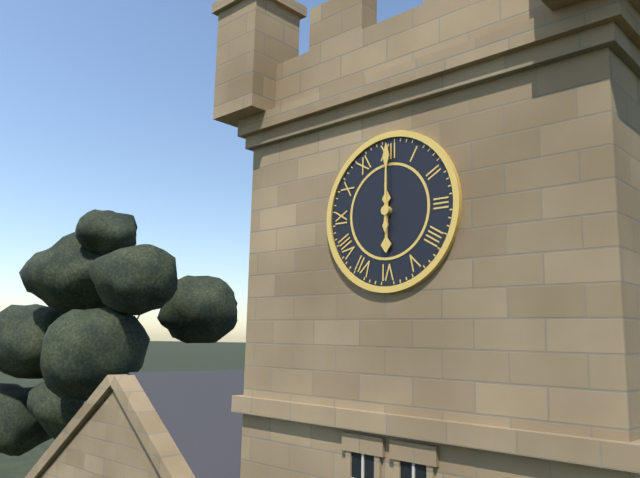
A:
6.00
